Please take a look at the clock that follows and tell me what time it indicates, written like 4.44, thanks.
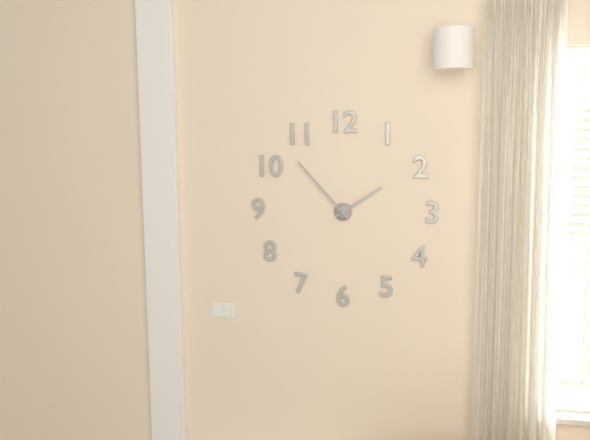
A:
1.53
